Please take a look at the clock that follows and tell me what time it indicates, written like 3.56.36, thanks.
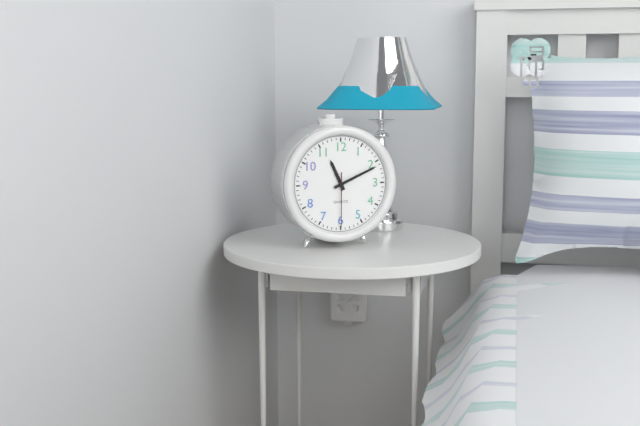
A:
11.11.30
